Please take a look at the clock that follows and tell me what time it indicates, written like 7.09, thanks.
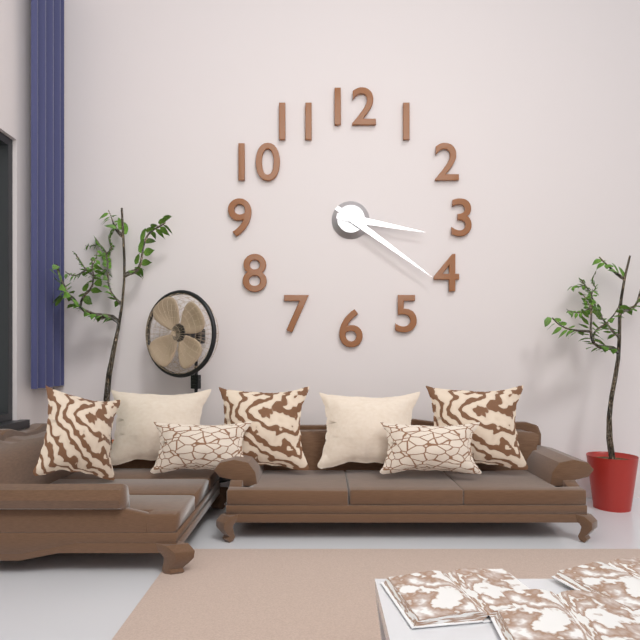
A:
3.21
